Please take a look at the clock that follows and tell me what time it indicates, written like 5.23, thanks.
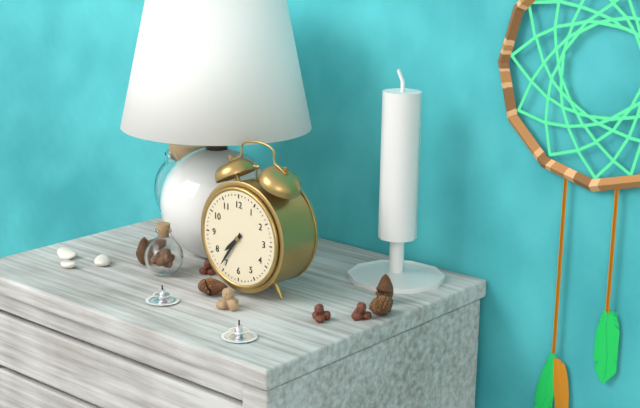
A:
7.36
